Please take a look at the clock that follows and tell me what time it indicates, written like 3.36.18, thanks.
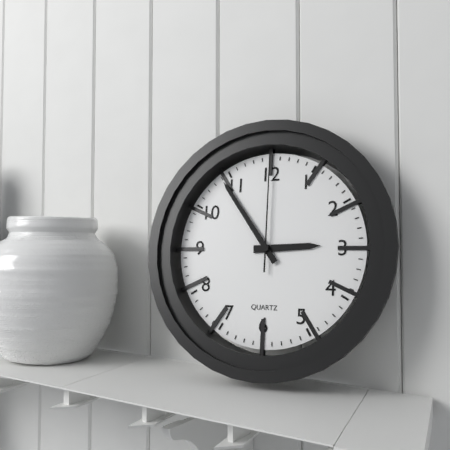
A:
2.54.00
